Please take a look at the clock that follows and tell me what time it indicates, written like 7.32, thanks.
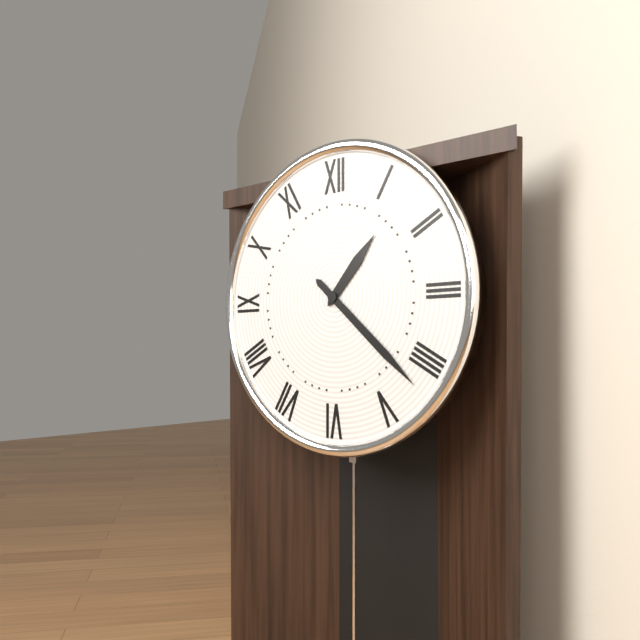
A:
1.22
